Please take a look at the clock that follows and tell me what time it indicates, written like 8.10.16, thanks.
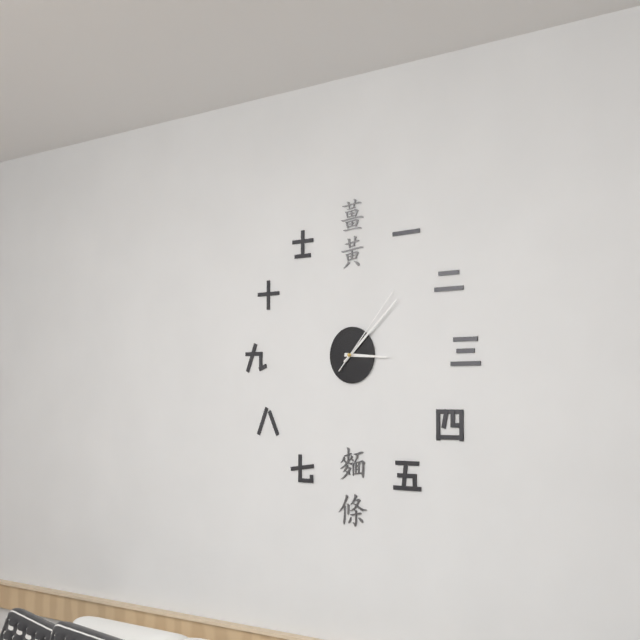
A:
3.08.07
